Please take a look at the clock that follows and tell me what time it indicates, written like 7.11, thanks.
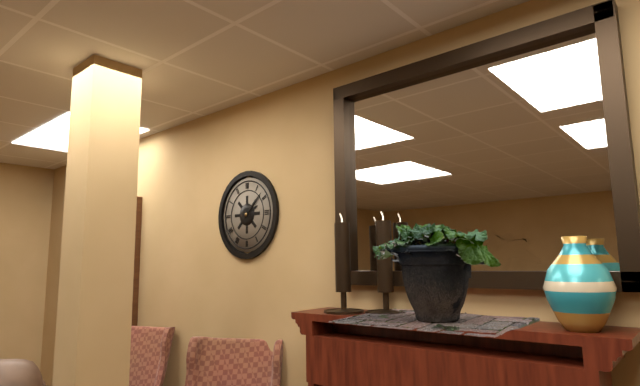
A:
2.08
